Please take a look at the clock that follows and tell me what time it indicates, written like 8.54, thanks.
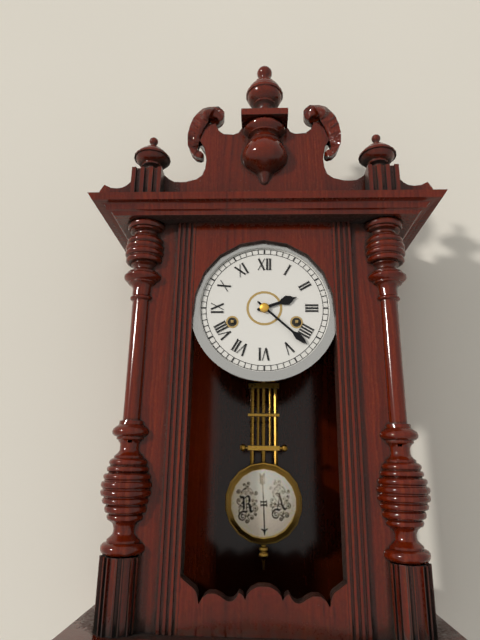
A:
2.22
